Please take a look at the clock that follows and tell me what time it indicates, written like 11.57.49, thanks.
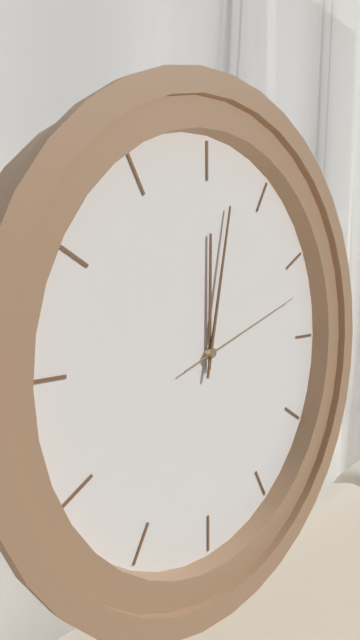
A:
12.02.12
